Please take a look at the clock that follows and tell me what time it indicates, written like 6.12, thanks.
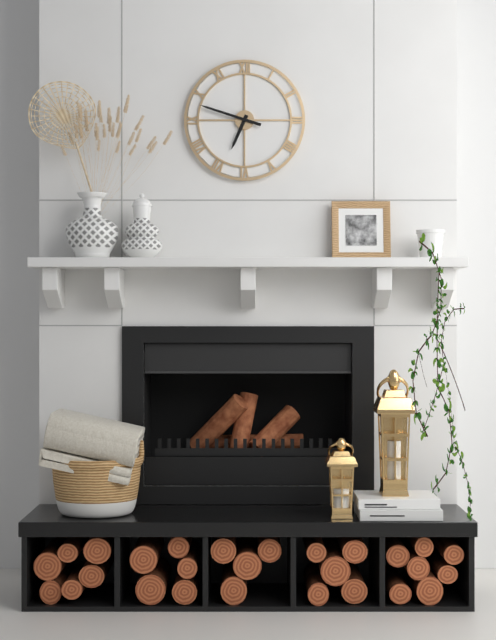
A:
6.48
